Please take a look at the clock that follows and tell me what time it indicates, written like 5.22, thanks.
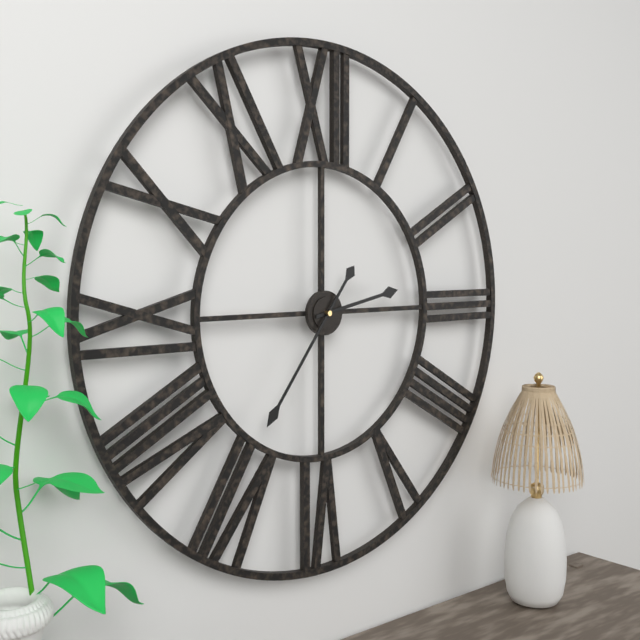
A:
2.36
